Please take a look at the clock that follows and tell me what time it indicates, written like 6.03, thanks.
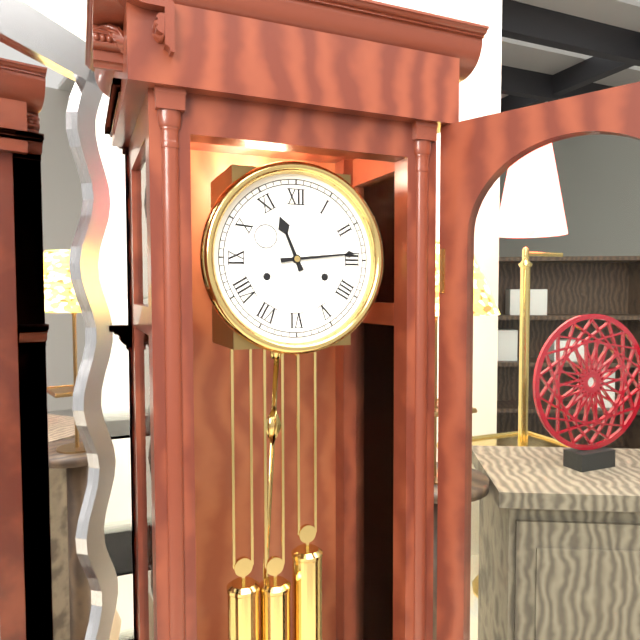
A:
11.14
